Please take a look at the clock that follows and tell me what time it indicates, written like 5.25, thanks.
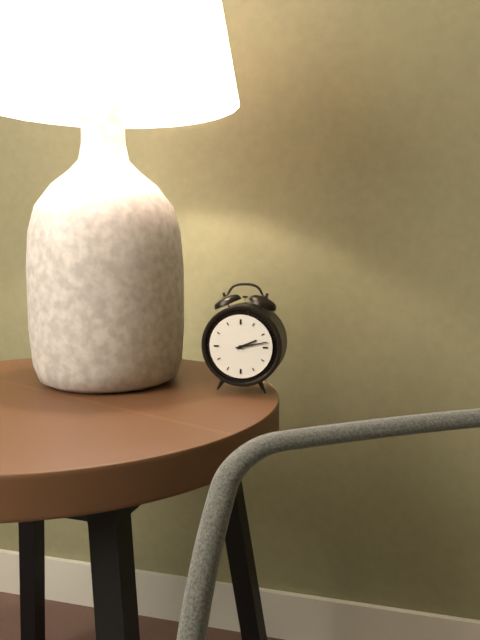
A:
2.13
